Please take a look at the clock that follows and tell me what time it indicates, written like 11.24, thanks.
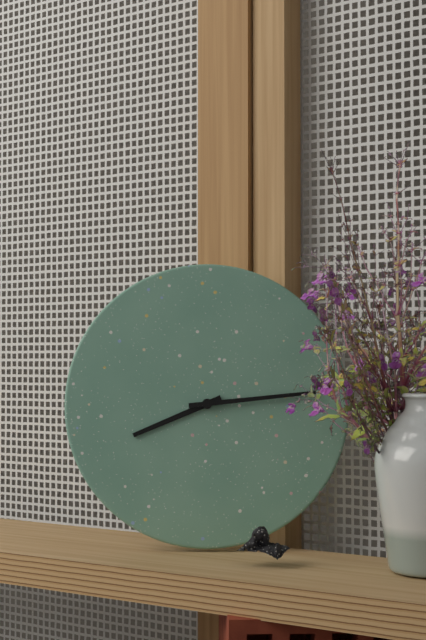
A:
8.14
